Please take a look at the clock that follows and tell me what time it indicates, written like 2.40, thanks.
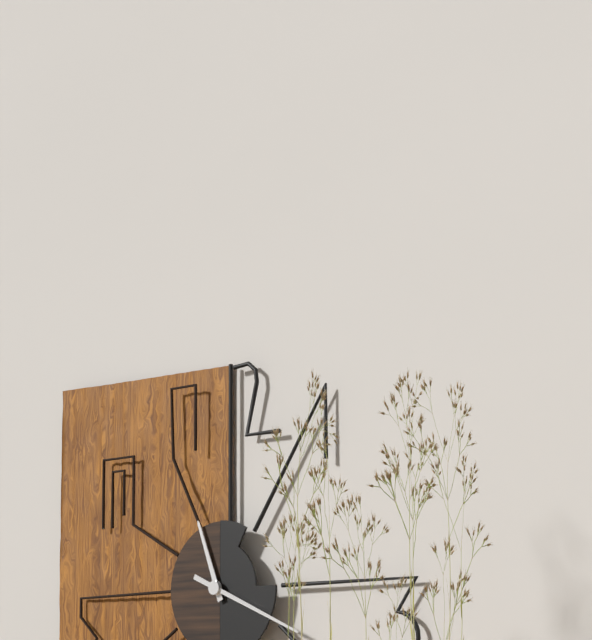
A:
11.19
